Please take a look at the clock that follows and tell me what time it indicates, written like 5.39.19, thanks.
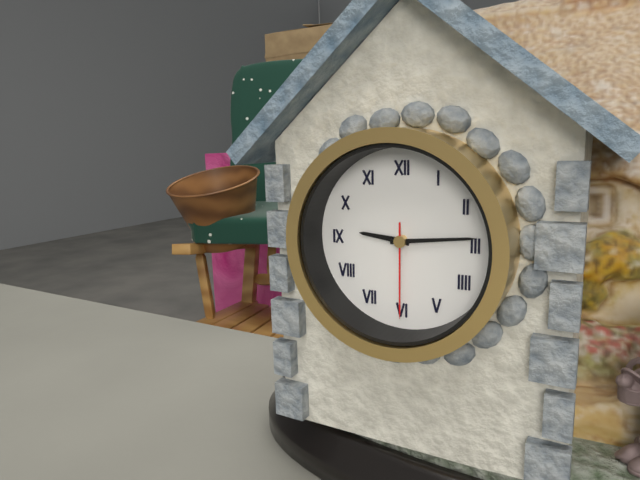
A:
9.14.30
